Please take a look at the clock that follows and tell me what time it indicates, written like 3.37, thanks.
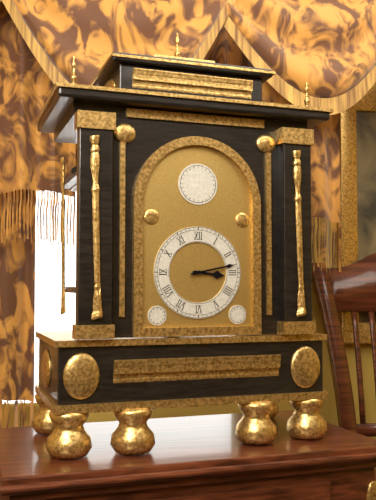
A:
3.13
